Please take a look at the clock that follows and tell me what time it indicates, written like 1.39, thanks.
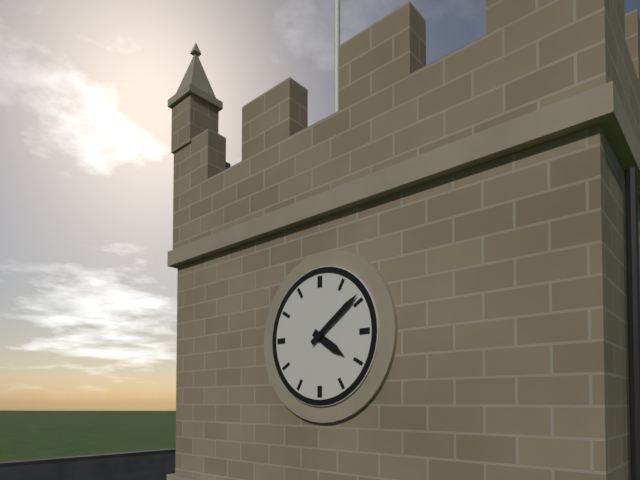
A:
4.09
